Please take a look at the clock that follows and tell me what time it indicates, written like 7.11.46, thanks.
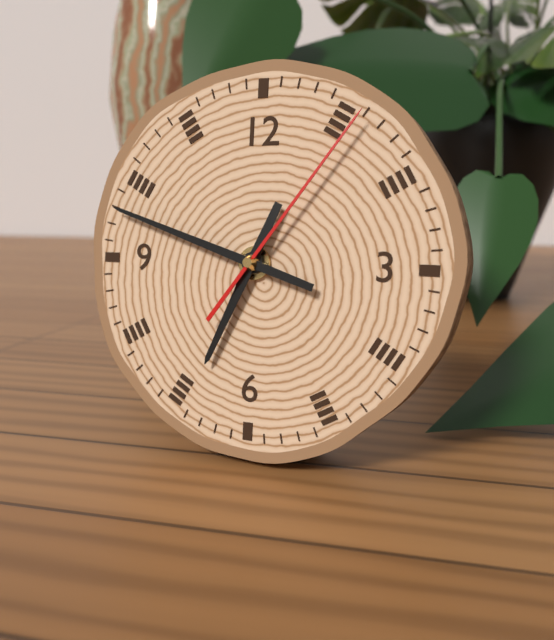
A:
6.48.06
